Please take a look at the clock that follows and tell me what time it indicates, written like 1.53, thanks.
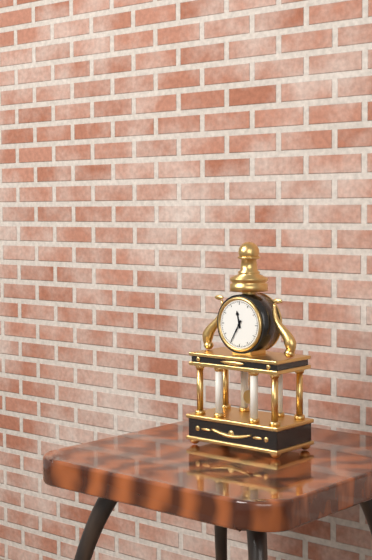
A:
11.35
